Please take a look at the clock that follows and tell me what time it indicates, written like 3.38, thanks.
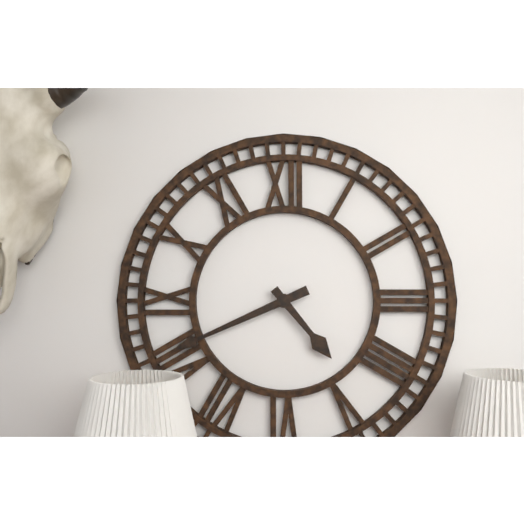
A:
4.41
